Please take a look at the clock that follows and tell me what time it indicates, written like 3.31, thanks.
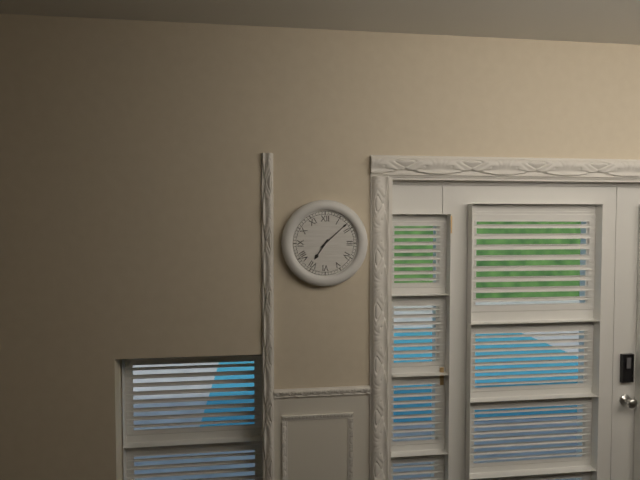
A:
7.08
